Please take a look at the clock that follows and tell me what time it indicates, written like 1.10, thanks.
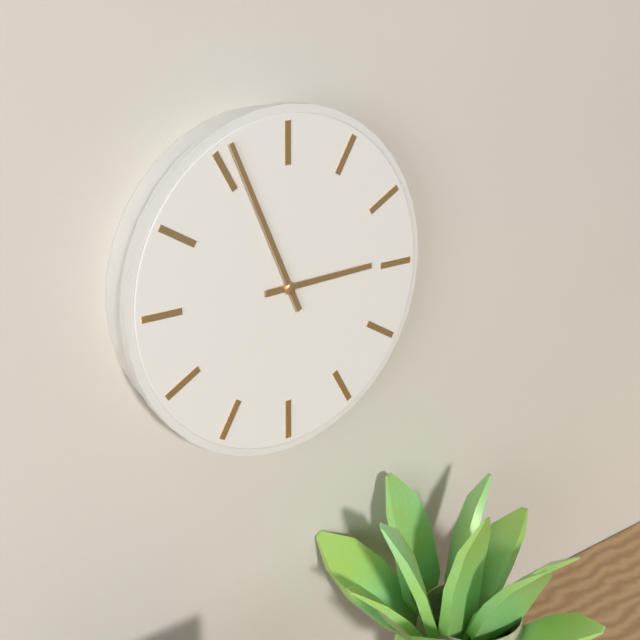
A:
2.56
